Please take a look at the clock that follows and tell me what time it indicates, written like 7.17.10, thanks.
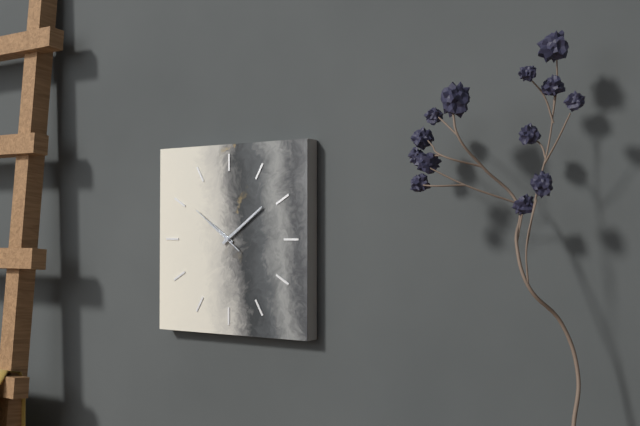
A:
10.09.51
